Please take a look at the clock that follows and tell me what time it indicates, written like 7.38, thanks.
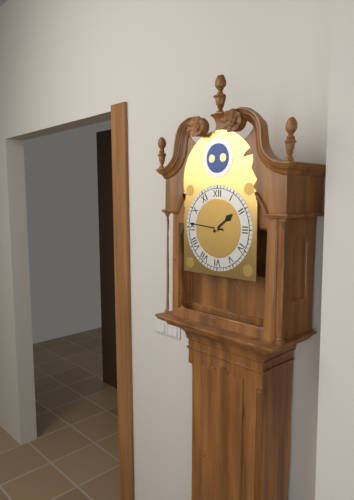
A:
1.46
